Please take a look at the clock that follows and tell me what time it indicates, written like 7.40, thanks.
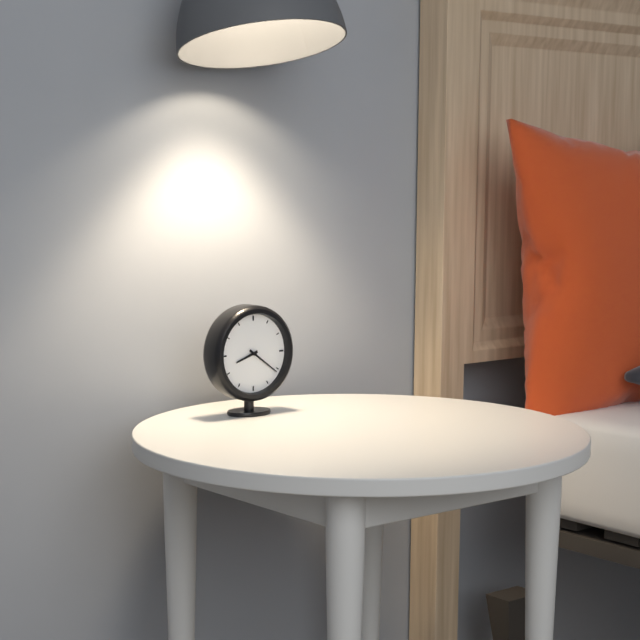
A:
8.21
